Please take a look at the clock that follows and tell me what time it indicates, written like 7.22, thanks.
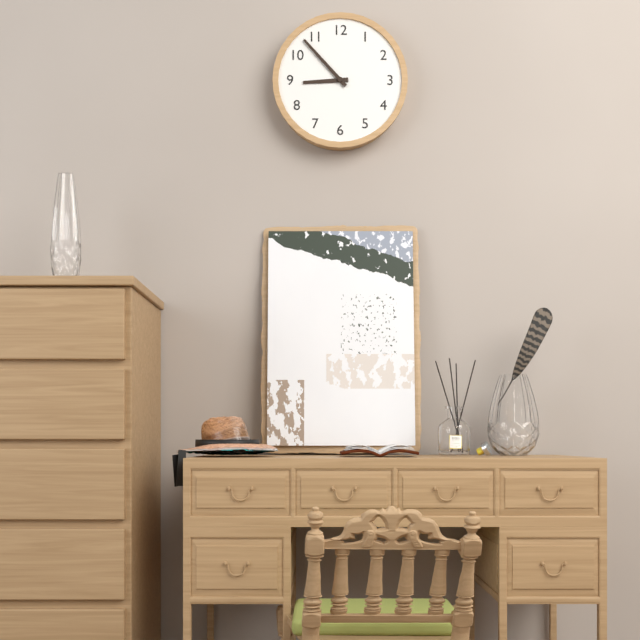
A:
8.53
